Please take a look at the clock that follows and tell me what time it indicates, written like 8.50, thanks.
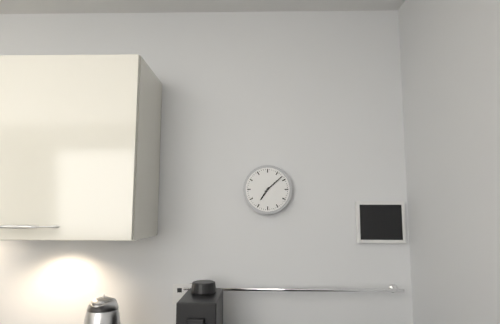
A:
7.08
